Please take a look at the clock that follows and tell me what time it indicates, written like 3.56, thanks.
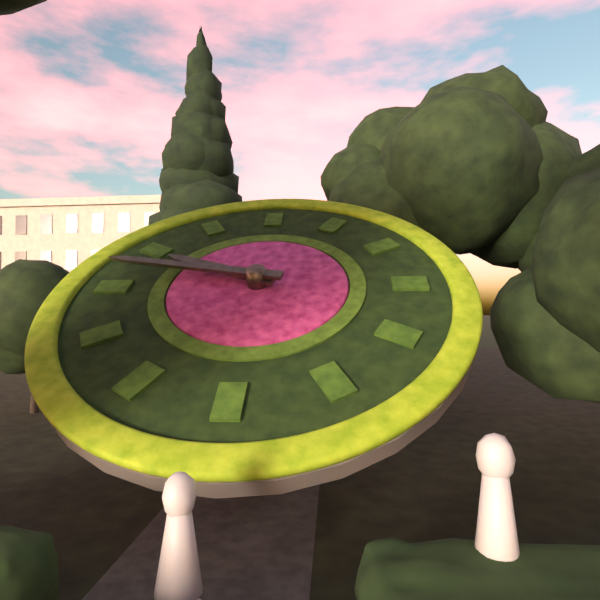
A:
9.47
